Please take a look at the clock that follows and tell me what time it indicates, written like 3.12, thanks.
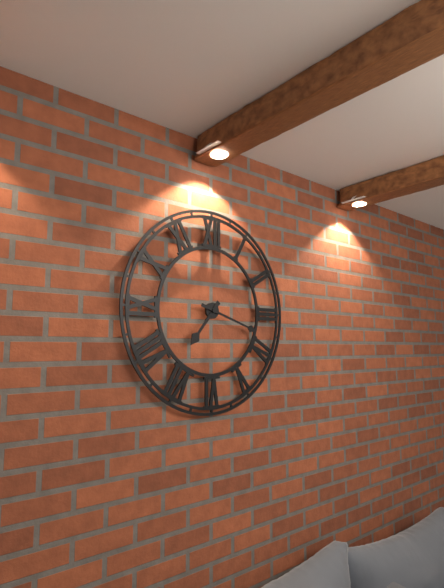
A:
7.18
